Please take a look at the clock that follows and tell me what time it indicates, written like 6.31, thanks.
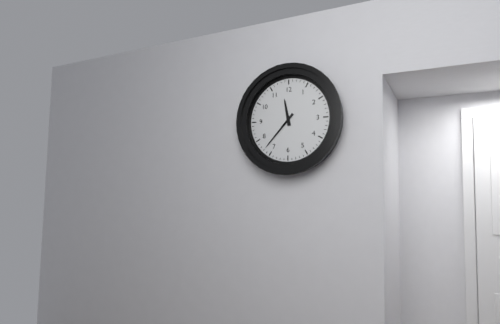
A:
11.37
